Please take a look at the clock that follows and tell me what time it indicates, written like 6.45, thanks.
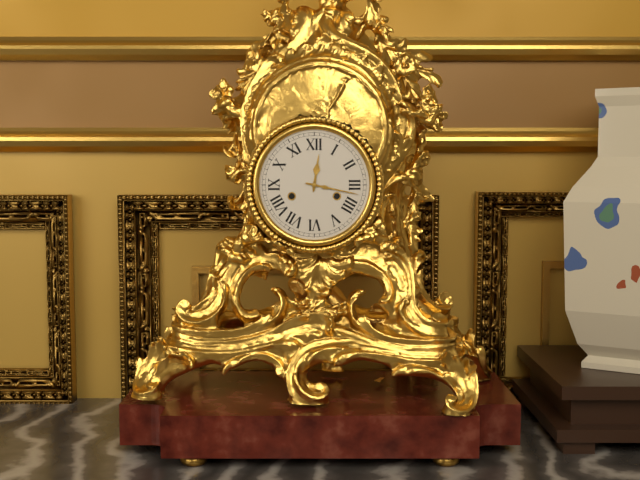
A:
12.17
